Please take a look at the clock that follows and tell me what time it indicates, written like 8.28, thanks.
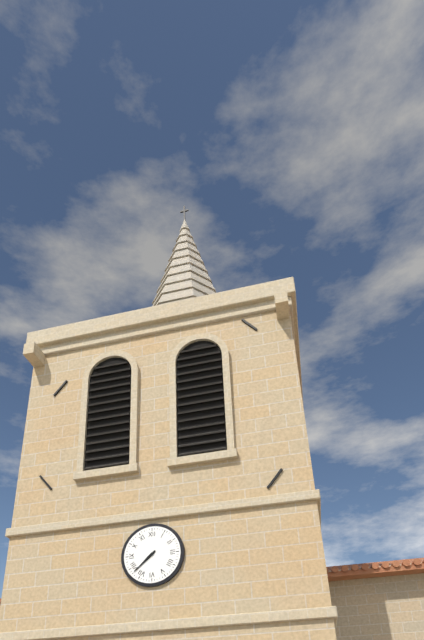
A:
7.38
